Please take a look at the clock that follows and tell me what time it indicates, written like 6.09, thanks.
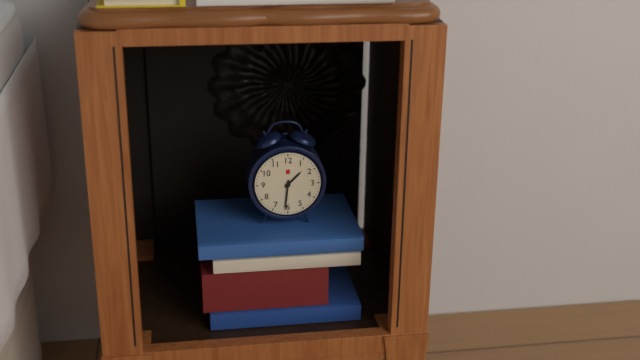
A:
1.31
